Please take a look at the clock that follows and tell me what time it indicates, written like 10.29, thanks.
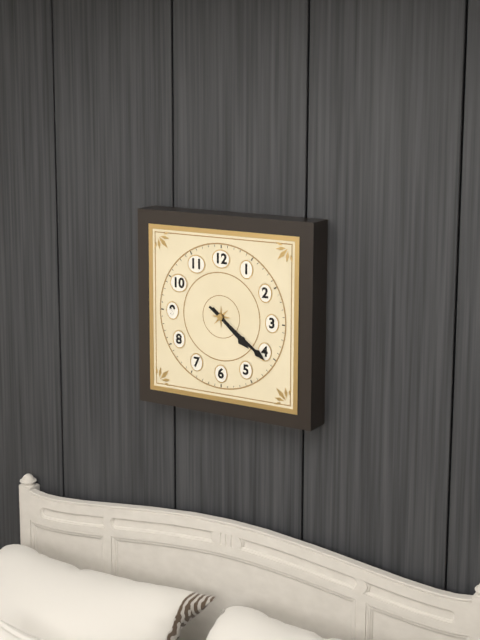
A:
4.21
